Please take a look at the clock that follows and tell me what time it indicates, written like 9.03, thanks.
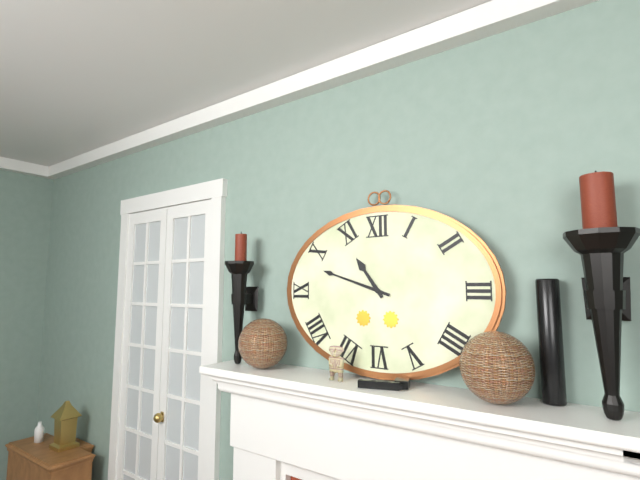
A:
10.48
